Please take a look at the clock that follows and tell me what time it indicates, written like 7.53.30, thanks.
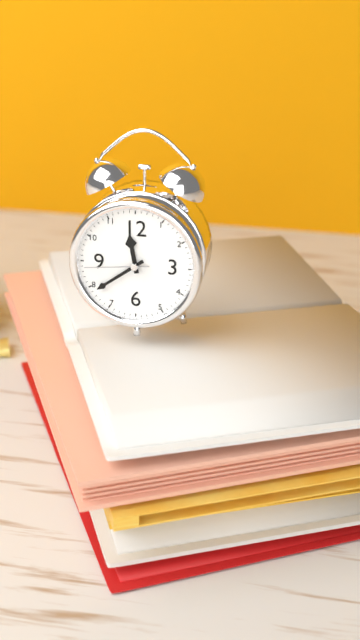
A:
11.39.44
